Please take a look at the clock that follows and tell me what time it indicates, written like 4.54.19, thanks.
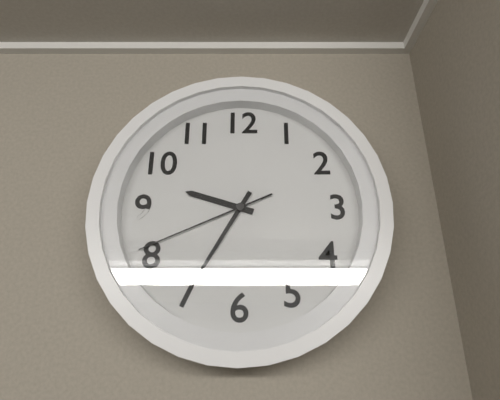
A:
9.35.41
